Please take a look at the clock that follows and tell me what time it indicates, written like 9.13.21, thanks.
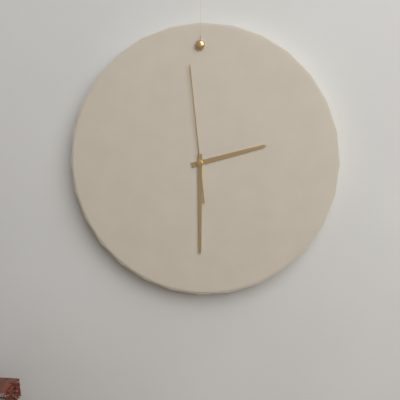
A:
2.30.59
